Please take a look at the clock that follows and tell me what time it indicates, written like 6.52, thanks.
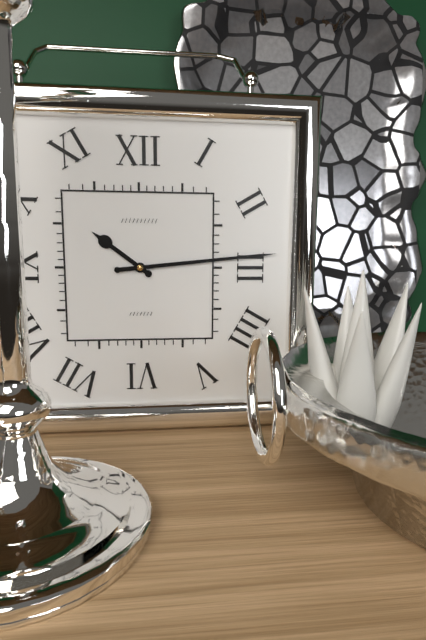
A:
10.14
